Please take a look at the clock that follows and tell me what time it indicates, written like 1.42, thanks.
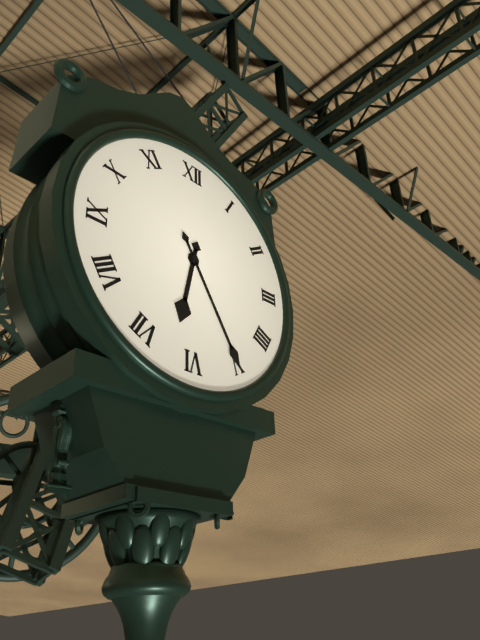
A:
6.25
